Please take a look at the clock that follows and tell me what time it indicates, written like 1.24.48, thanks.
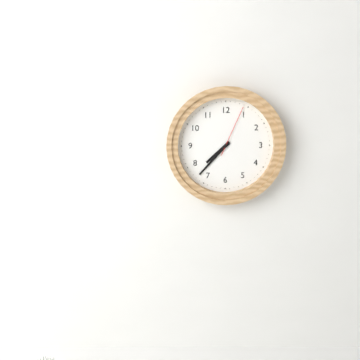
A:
7.37.04
